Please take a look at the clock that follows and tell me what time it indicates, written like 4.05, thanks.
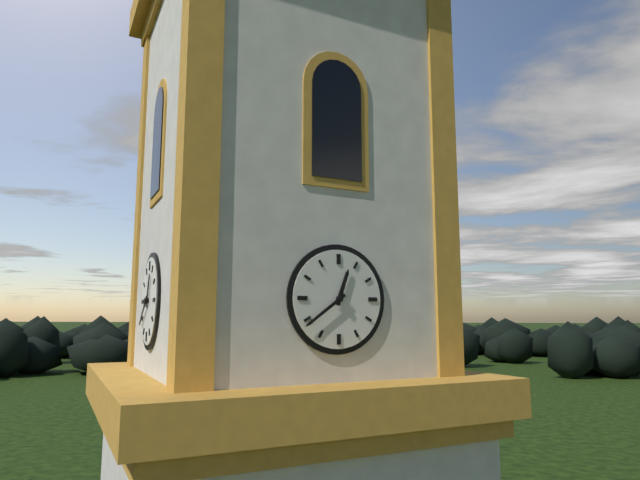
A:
12.39
